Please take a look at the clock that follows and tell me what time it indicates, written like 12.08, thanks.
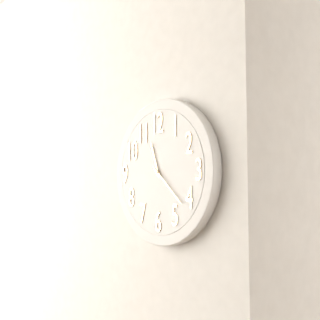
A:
11.22
